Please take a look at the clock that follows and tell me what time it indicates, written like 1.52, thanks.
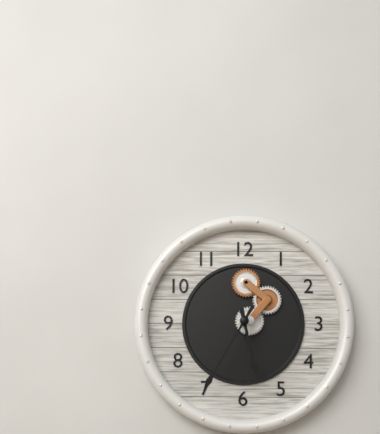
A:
5.35
